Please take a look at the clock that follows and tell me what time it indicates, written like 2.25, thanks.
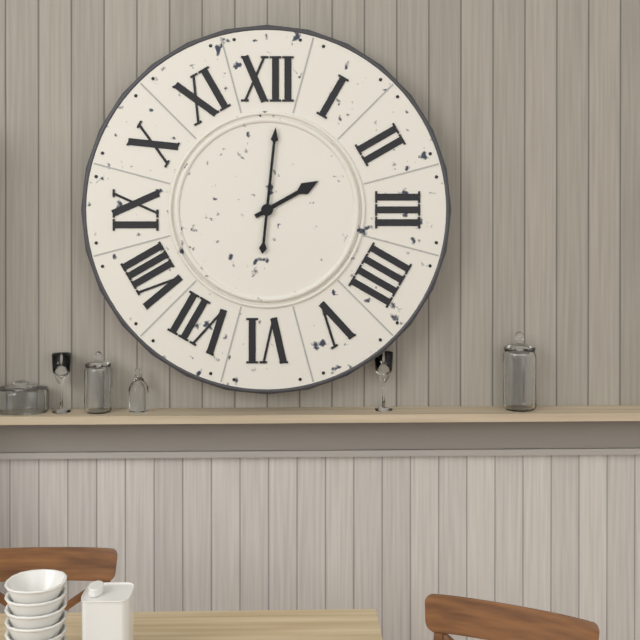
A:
2.01
